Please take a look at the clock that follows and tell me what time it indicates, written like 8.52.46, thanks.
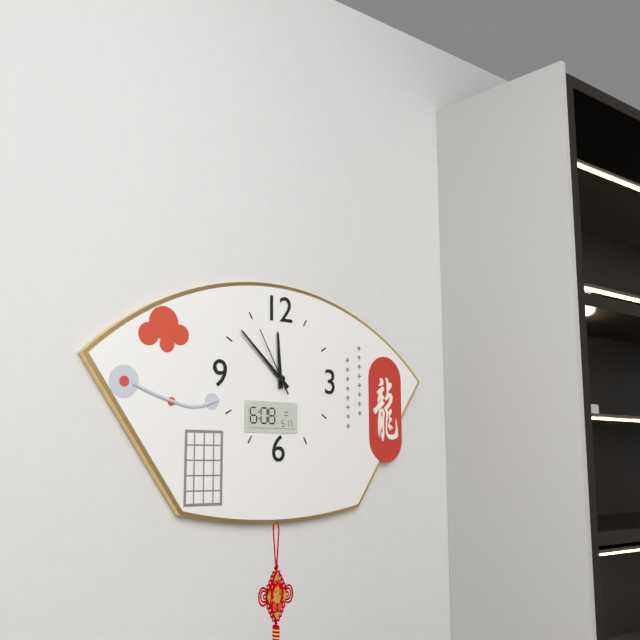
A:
11.52.55
